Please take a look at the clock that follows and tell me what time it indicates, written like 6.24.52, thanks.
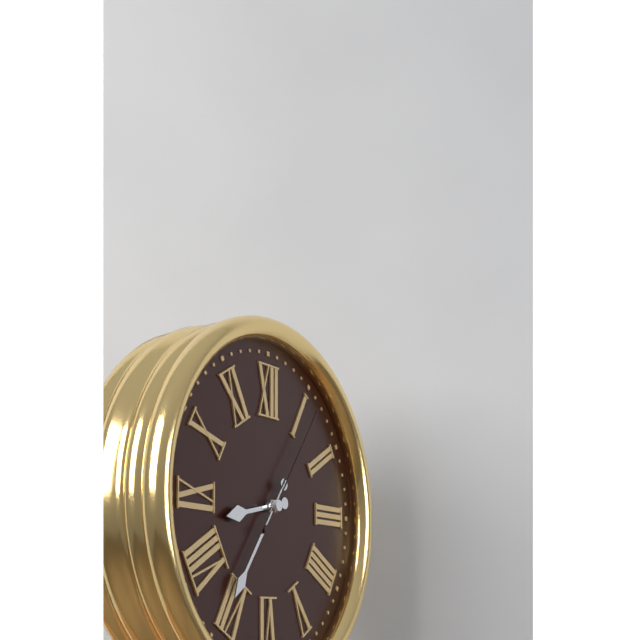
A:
8.36.06
